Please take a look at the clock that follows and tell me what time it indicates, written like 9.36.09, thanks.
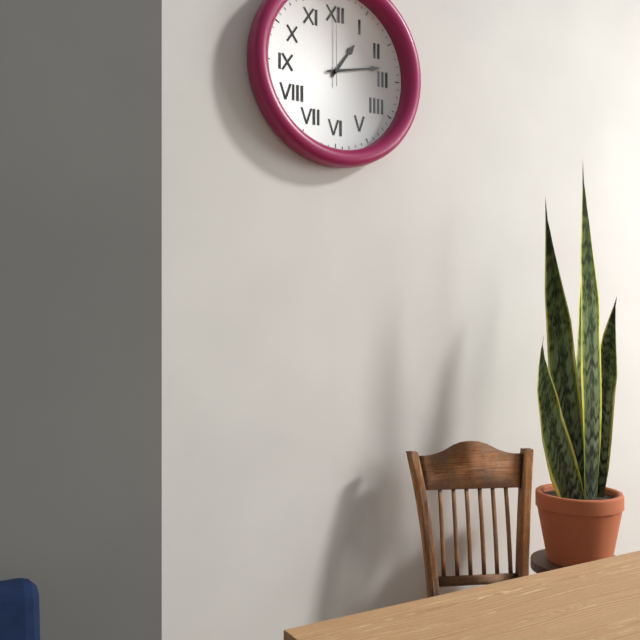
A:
1.13.00
